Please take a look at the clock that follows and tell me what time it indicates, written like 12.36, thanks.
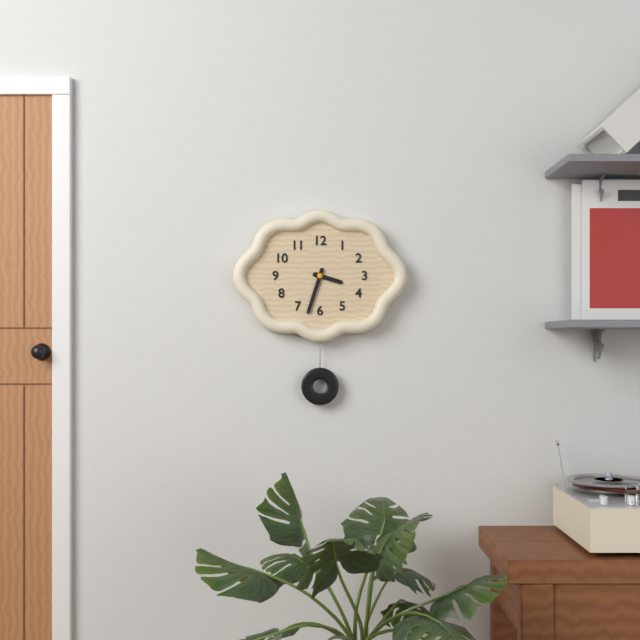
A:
3.33
